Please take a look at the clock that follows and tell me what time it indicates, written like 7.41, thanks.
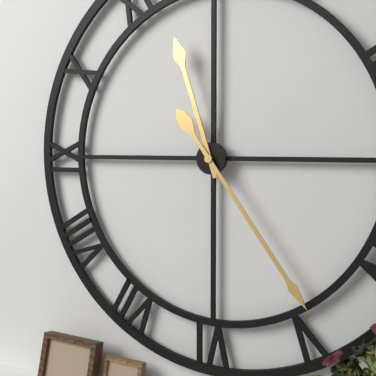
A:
11.24
